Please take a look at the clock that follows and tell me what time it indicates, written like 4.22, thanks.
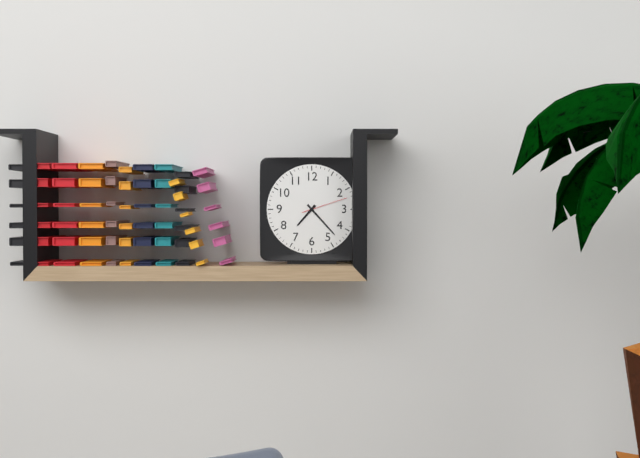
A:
7.23
